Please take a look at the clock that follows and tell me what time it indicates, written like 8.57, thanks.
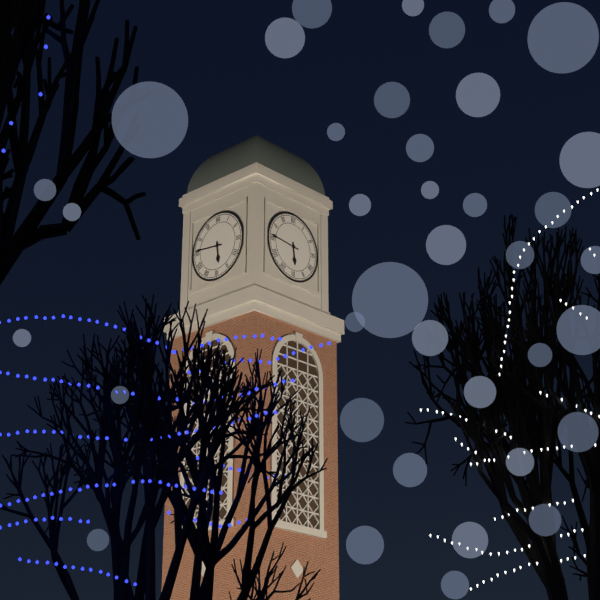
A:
5.46
